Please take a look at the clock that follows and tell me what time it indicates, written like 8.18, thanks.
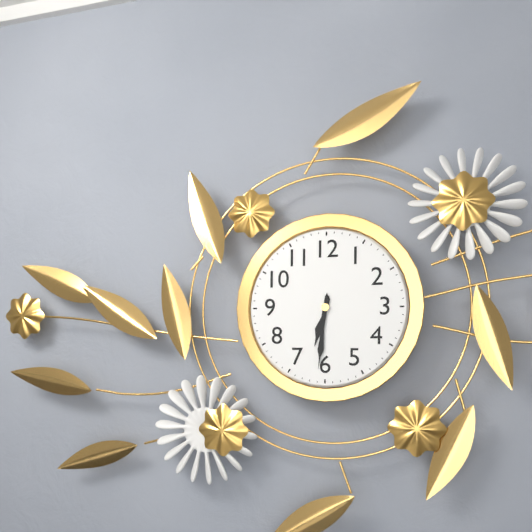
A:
6.31
